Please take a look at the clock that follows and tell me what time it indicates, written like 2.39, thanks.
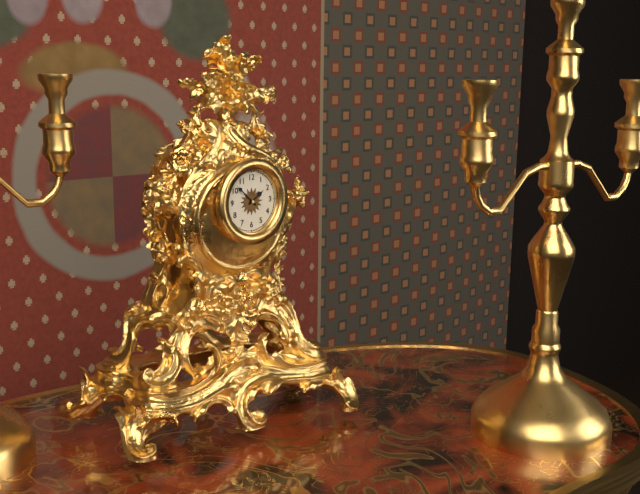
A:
1.52
